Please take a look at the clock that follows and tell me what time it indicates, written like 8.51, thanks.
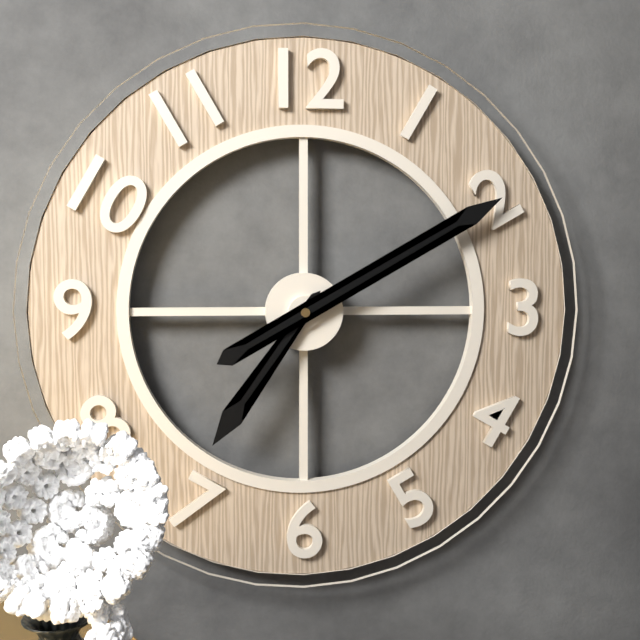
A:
7.10
